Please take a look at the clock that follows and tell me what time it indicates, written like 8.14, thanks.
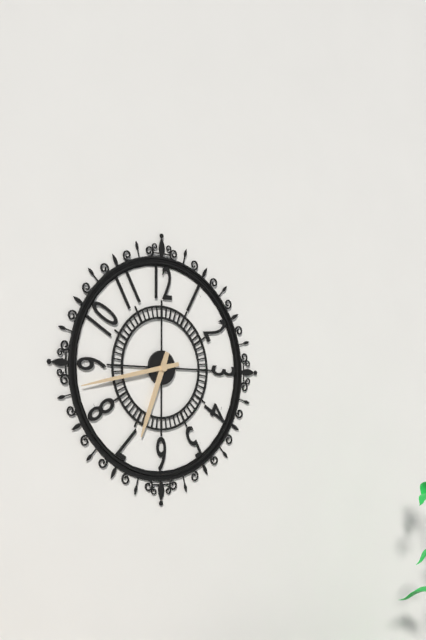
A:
6.43
